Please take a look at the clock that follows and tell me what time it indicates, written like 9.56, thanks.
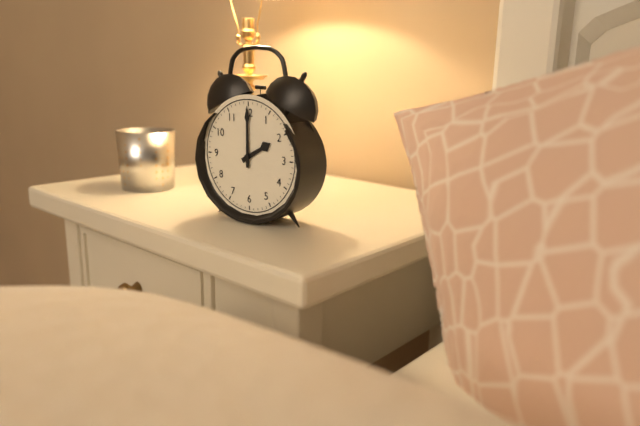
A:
2.00
